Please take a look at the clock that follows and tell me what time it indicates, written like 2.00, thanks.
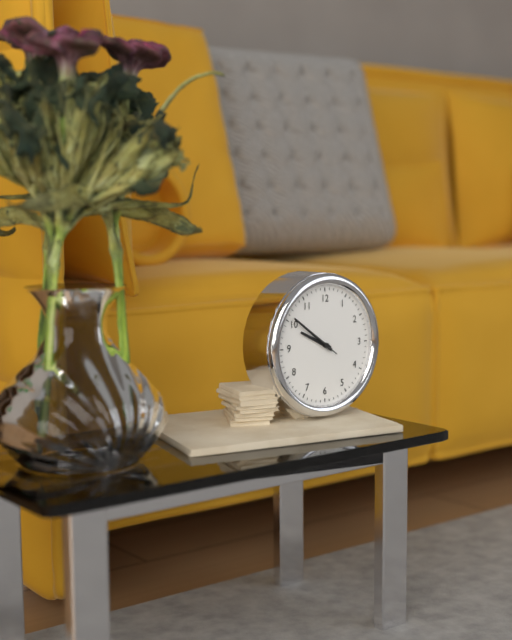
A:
9.51
